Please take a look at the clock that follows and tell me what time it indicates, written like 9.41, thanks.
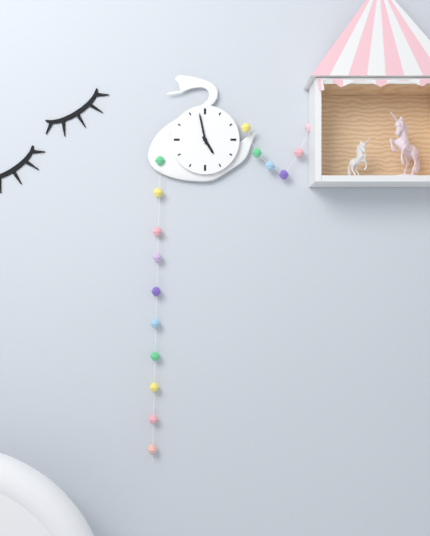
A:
4.58
